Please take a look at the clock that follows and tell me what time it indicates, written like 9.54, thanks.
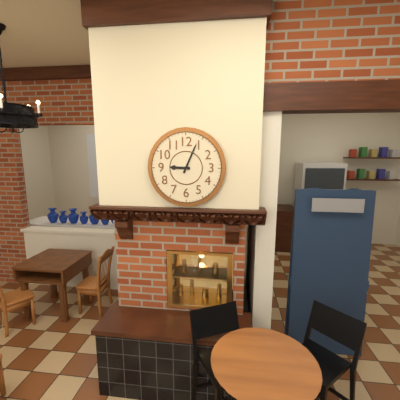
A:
9.04
